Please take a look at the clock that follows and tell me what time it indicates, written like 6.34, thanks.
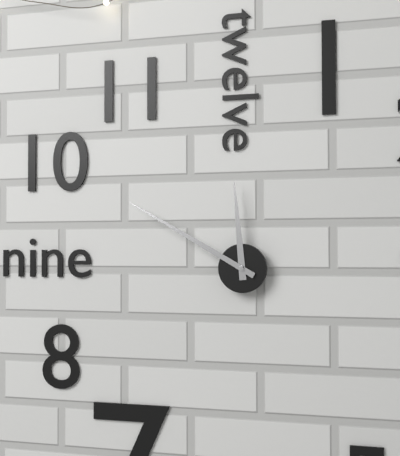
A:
11.50
